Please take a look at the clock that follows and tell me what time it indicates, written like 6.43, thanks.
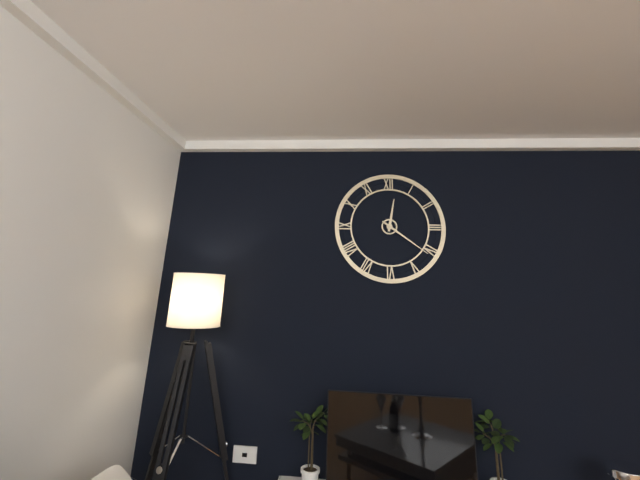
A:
12.21
